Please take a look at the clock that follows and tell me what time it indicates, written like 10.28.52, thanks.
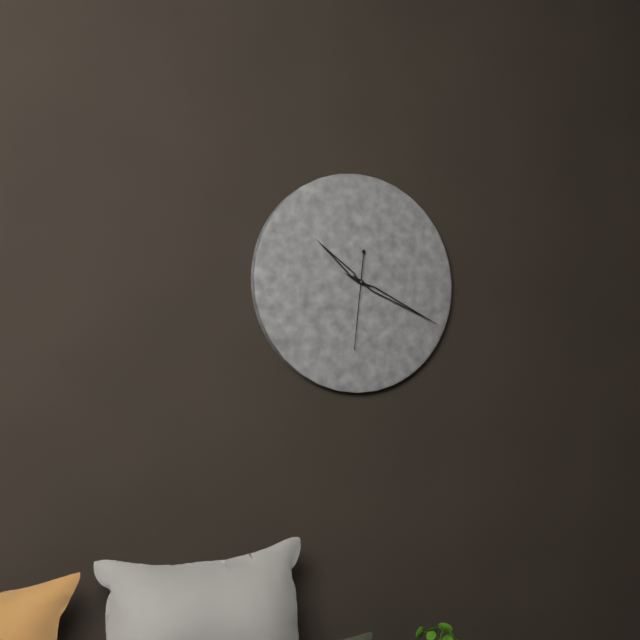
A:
10.19.31
